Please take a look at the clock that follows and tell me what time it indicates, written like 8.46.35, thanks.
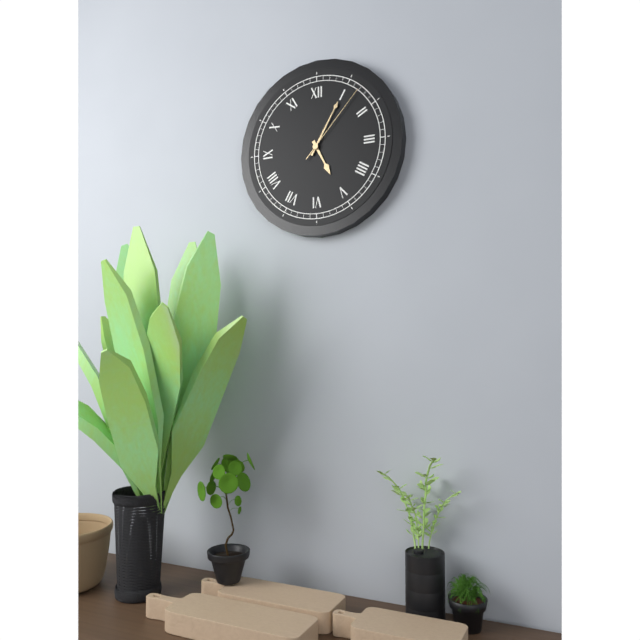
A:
5.05.07
